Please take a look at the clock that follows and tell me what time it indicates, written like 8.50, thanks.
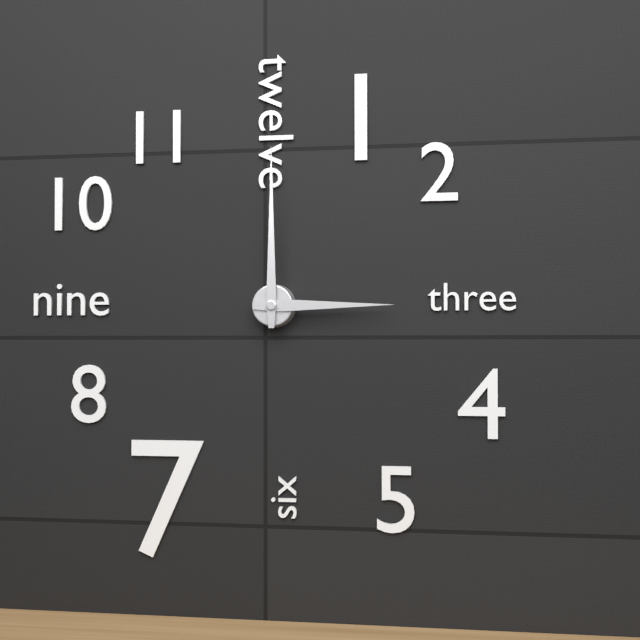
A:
3.00
